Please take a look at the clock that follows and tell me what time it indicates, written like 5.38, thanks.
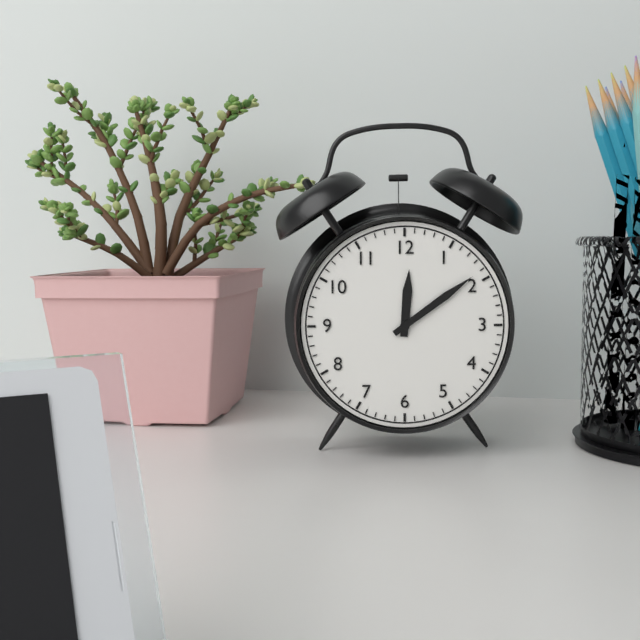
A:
12.09
